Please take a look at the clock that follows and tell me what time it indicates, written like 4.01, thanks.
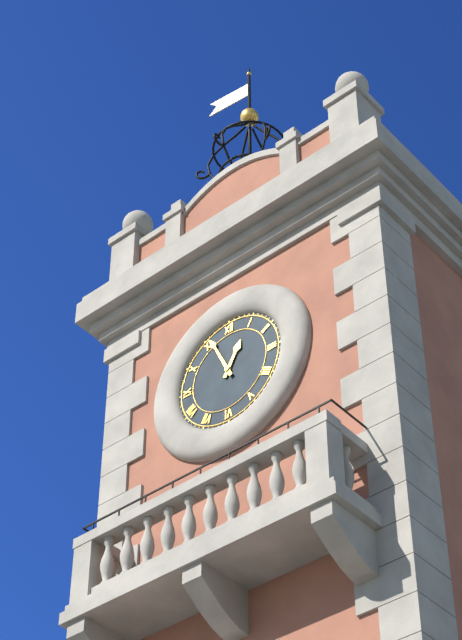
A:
12.56
